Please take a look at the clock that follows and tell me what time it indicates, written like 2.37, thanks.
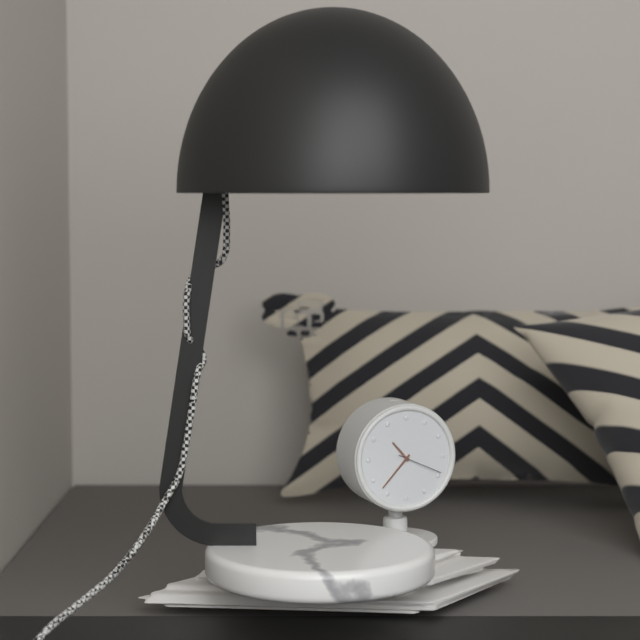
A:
10.37
